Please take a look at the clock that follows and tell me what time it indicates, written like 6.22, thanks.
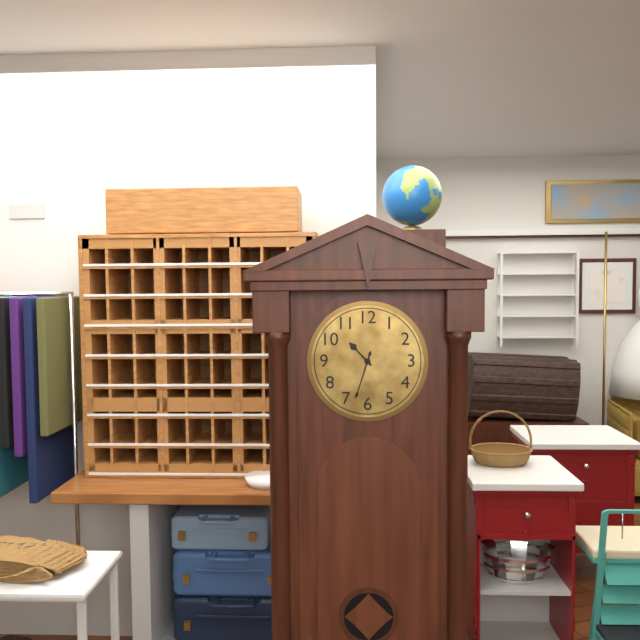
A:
10.33
